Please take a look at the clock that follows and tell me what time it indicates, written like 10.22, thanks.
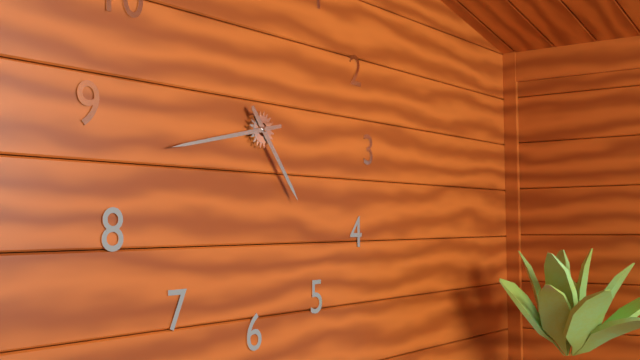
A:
4.43
